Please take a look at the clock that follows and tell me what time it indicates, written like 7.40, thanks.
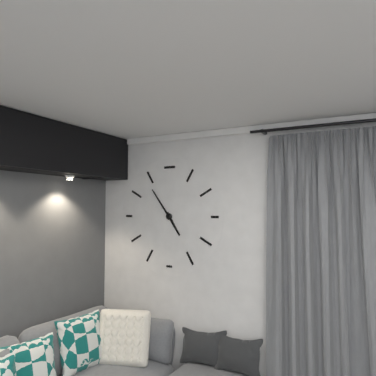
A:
4.54
